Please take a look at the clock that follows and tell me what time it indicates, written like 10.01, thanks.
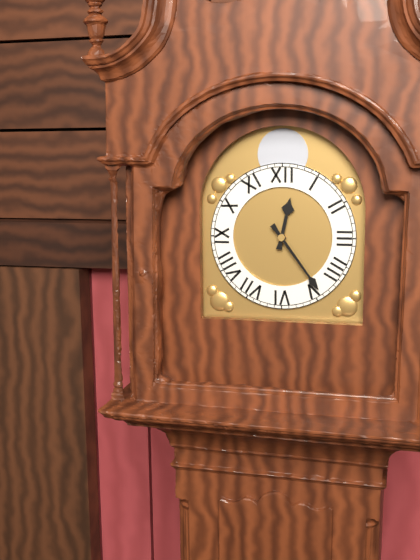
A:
12.24
